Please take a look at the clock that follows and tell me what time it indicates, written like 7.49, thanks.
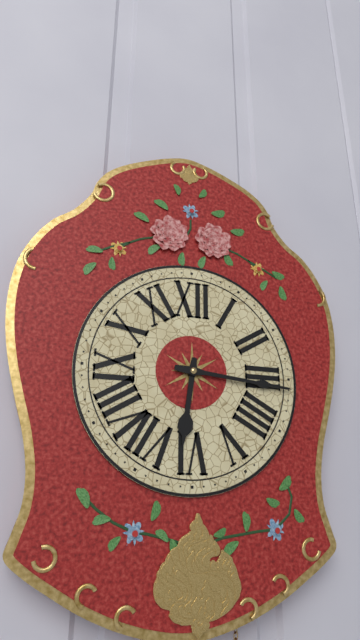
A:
6.16
